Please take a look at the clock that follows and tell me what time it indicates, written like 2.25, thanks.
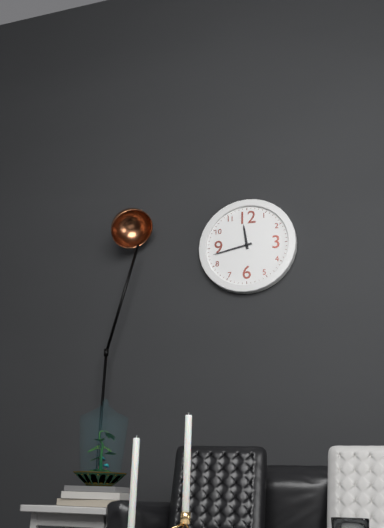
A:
11.43
